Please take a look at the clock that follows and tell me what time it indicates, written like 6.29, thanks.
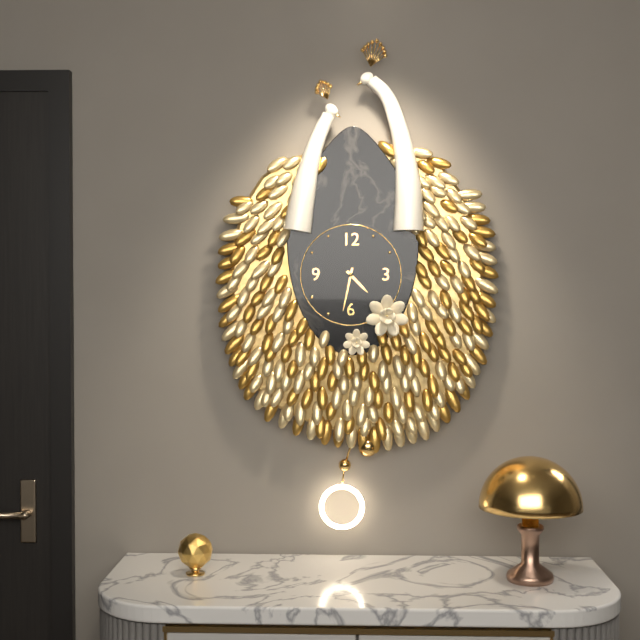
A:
4.32
